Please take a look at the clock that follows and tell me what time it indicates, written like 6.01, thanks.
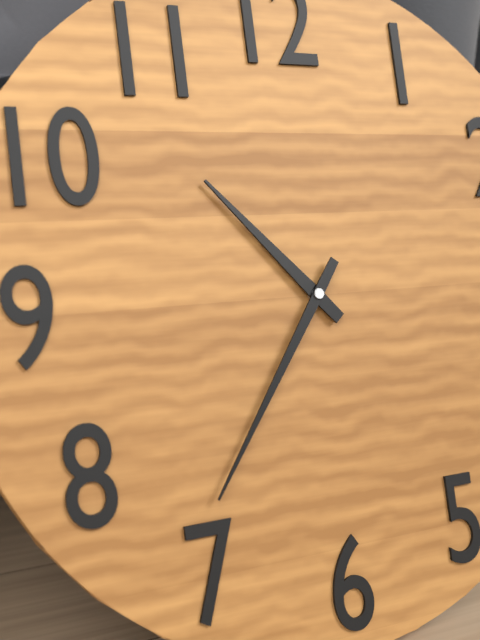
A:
10.36
